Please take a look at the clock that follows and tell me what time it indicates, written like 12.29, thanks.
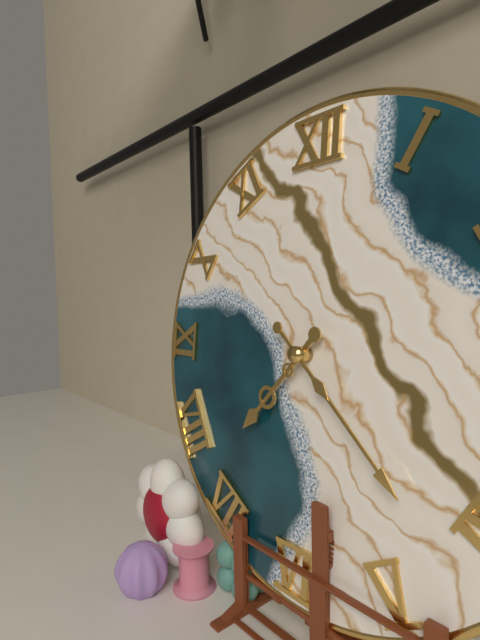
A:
7.22
